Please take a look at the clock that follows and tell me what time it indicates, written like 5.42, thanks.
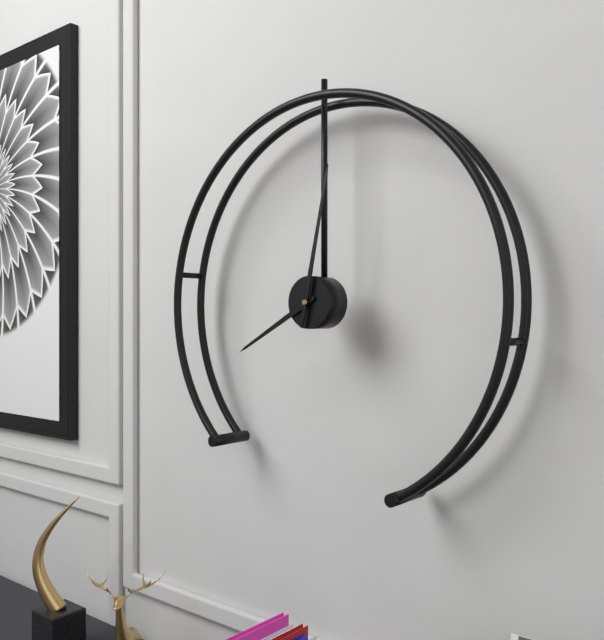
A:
8.02
